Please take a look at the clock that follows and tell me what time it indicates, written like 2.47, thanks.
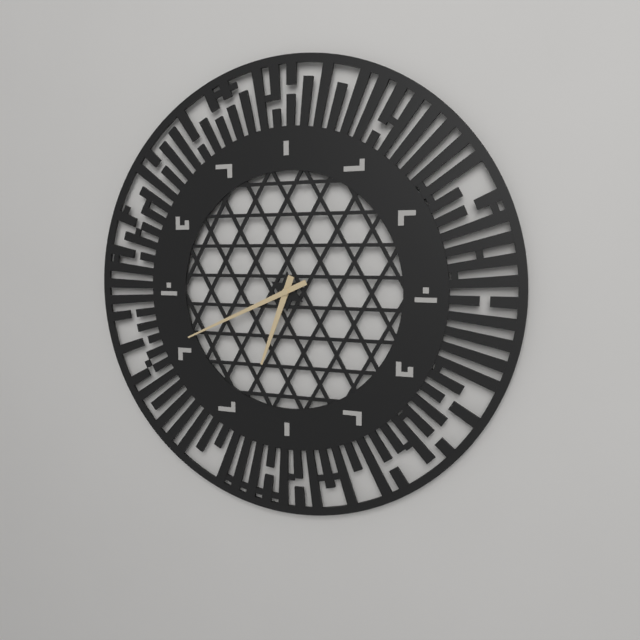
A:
6.41
